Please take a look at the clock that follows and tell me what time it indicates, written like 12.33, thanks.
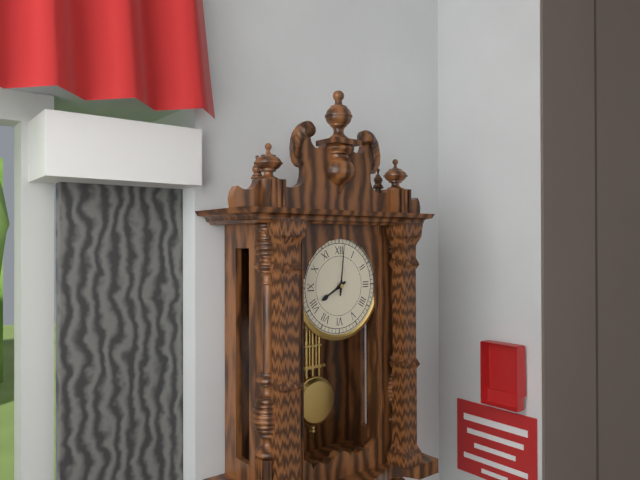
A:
8.01
